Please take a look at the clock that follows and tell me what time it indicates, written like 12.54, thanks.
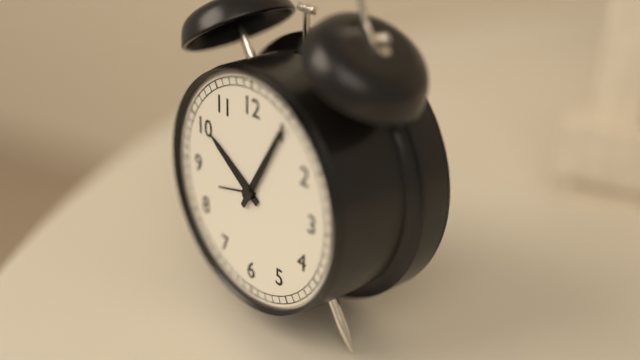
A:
10.05
